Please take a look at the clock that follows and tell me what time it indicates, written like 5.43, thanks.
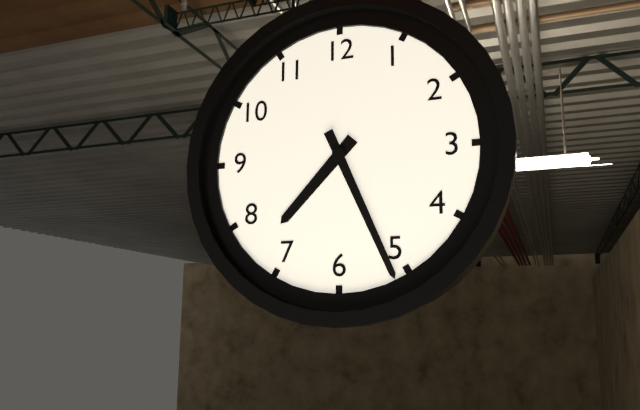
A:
7.26
